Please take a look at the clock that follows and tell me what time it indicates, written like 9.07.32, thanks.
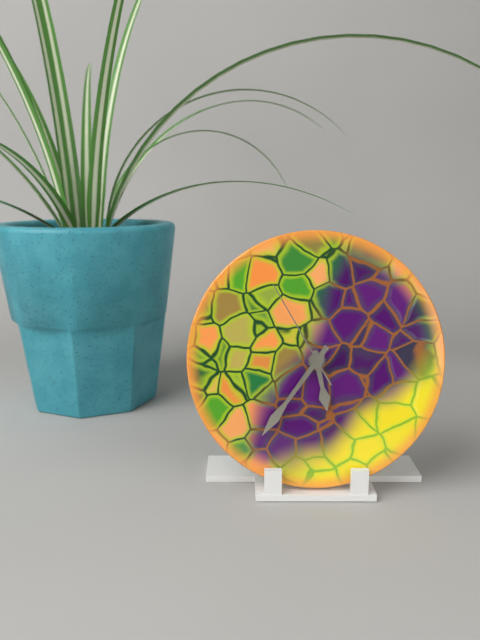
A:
5.36.55
